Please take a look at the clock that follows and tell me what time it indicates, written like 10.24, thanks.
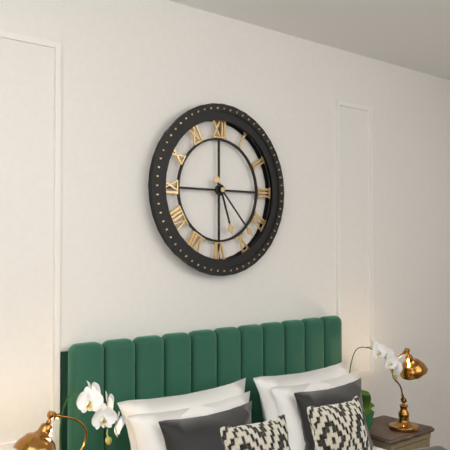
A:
5.23
